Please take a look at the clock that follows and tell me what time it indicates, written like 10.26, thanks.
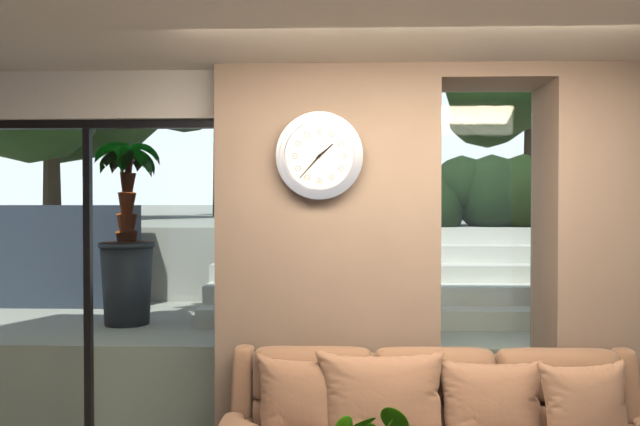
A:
1.37
